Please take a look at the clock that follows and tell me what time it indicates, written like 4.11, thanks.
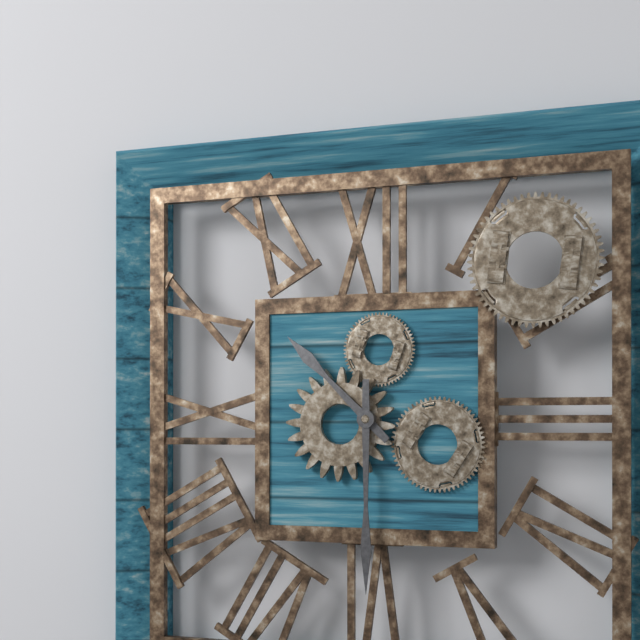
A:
10.30
